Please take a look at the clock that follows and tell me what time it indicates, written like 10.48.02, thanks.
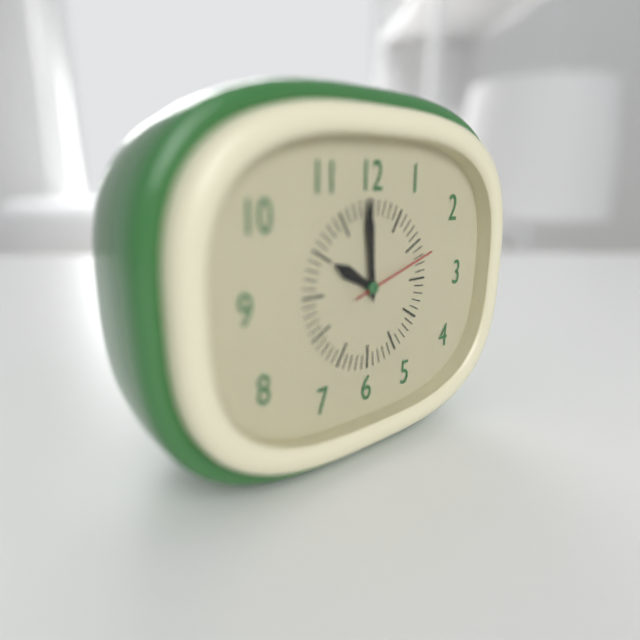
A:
9.59.12
